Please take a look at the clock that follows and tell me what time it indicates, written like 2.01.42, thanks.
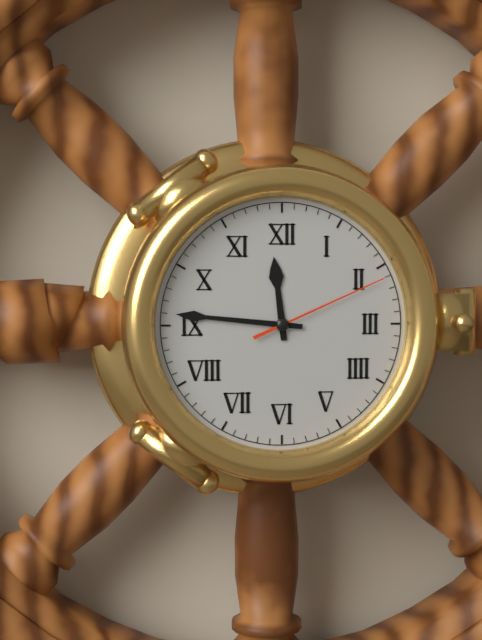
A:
11.46.11
